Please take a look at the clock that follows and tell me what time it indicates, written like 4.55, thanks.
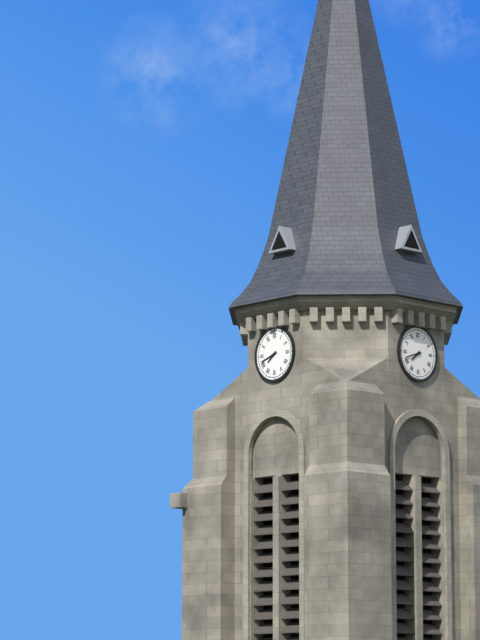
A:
7.42
